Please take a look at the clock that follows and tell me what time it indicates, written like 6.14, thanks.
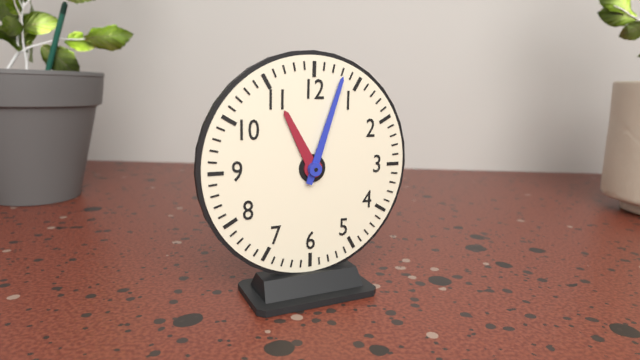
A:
11.03
